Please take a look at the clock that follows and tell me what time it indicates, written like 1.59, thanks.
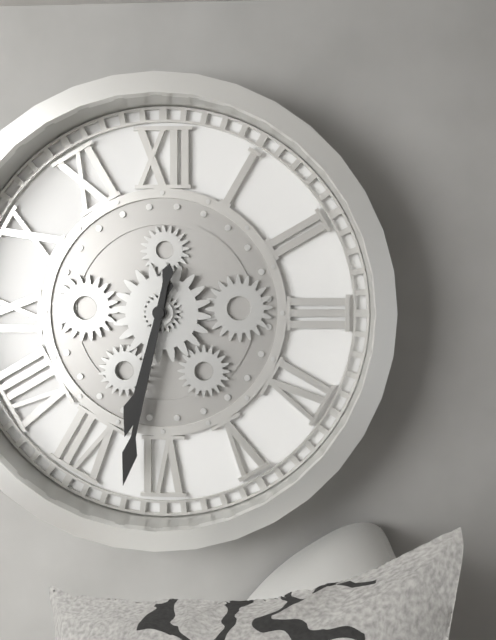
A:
6.32
